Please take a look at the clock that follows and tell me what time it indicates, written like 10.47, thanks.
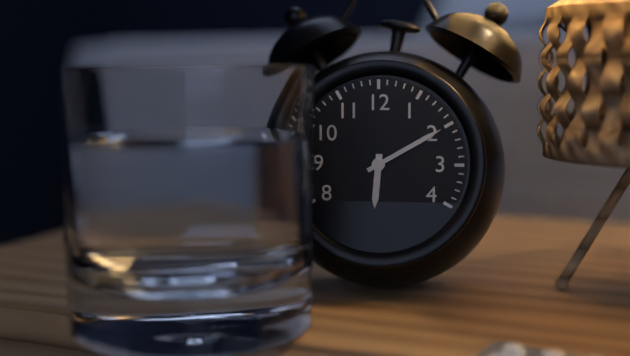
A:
6.10
